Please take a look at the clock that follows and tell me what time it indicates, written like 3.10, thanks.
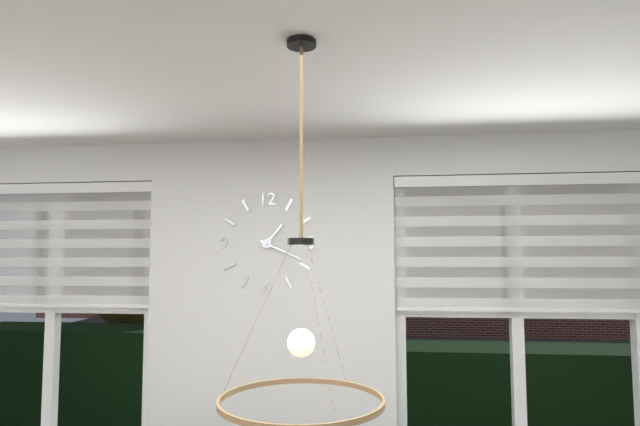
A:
1.19
